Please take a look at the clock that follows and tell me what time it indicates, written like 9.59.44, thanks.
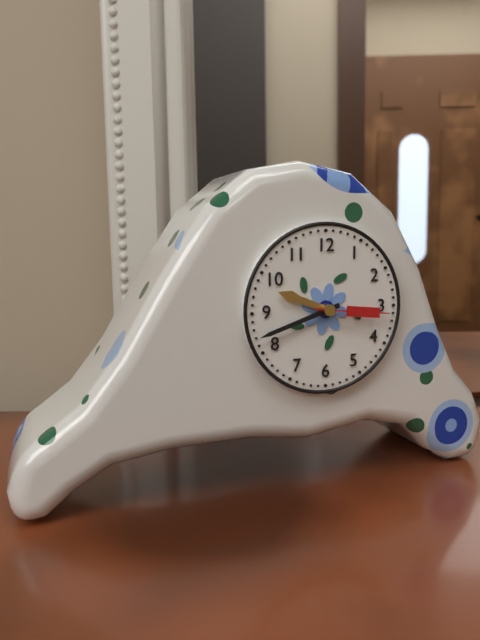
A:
9.42.16
